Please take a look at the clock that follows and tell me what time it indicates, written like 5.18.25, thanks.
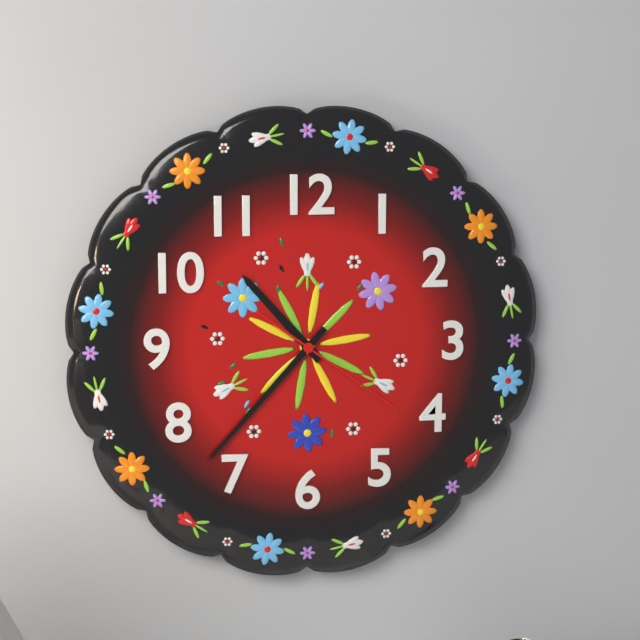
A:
10.37.21
